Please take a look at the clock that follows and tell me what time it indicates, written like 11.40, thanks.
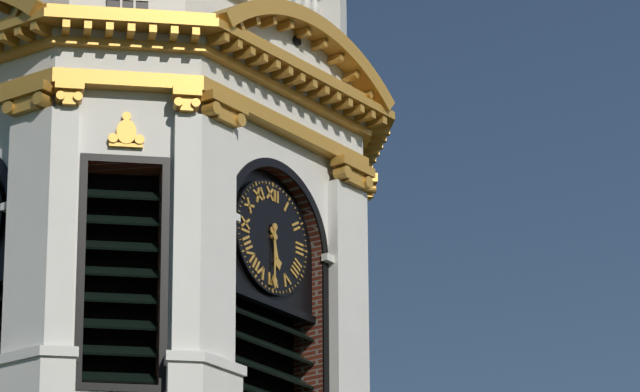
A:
5.30
